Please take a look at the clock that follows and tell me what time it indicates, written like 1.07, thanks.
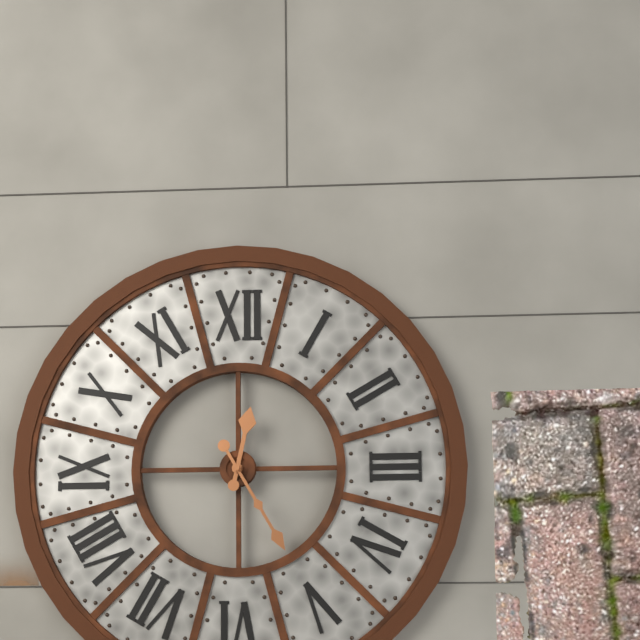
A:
12.25
